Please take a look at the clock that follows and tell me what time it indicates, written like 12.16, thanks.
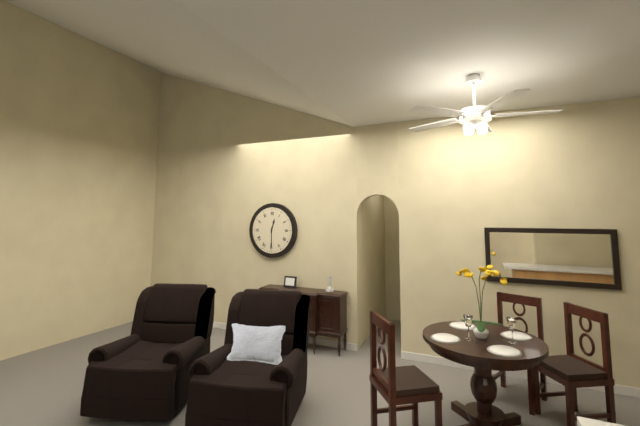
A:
12.30
